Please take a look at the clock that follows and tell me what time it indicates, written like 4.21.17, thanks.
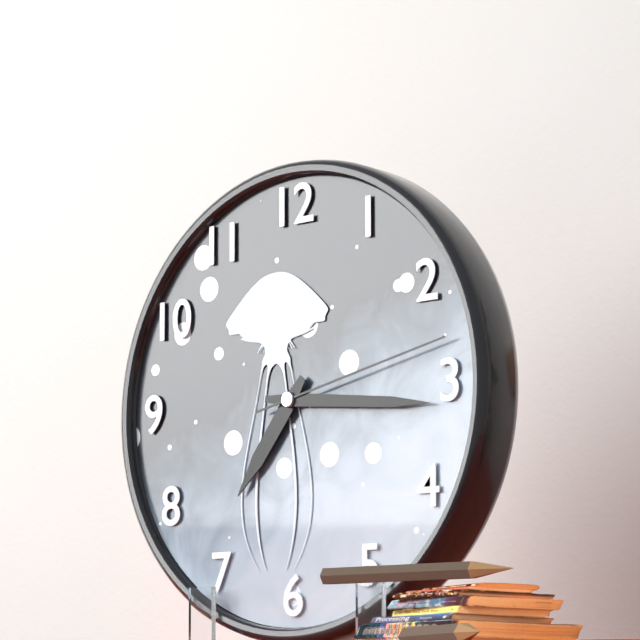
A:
7.16.13
